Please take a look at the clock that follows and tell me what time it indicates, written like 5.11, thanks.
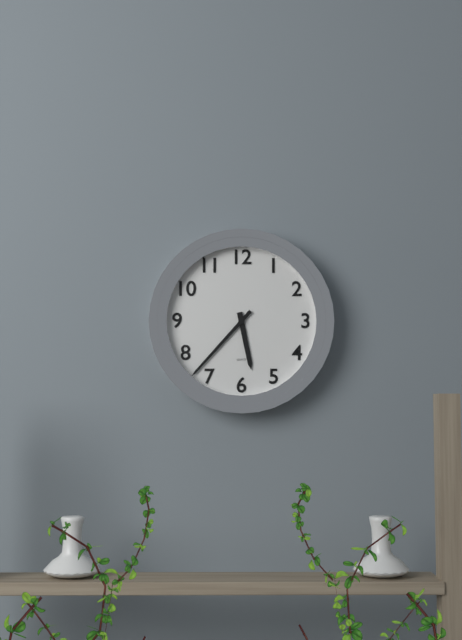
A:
5.37
